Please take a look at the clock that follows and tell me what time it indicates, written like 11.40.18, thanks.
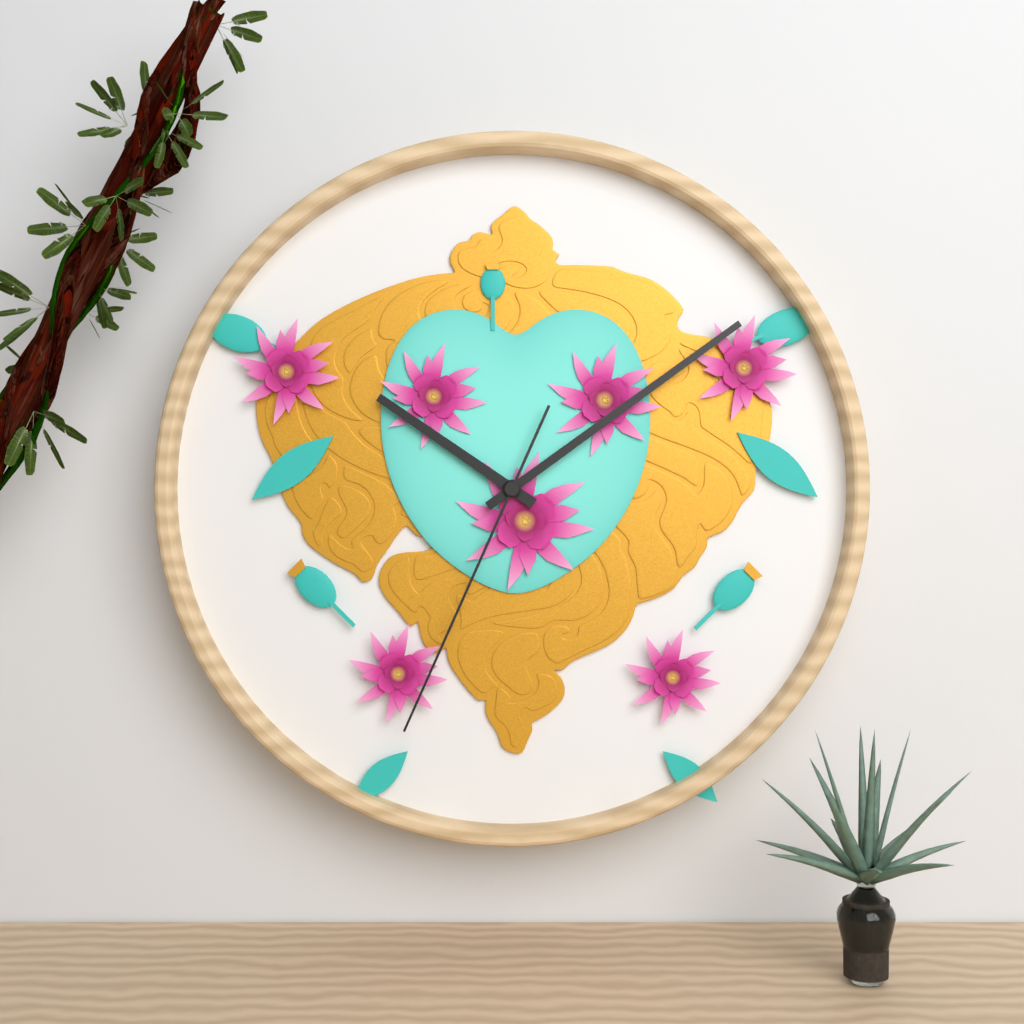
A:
10.09.34
